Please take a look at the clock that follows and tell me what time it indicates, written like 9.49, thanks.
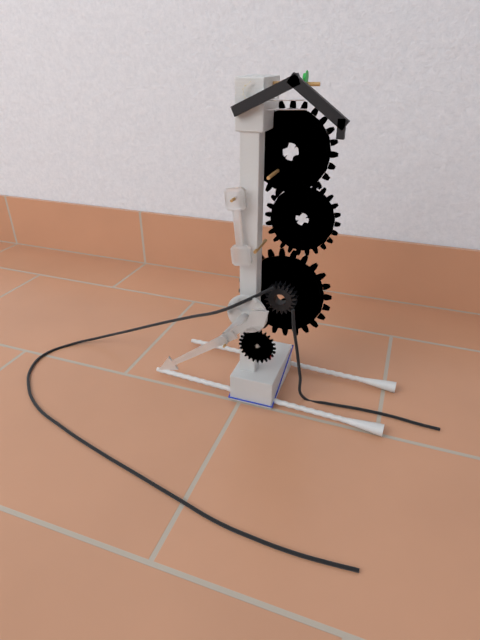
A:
1.39
